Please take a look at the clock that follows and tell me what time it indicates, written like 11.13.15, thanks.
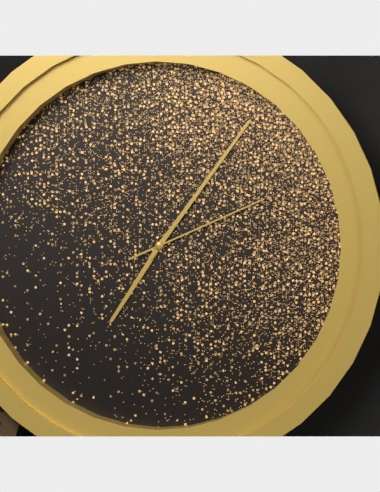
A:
7.06.11
